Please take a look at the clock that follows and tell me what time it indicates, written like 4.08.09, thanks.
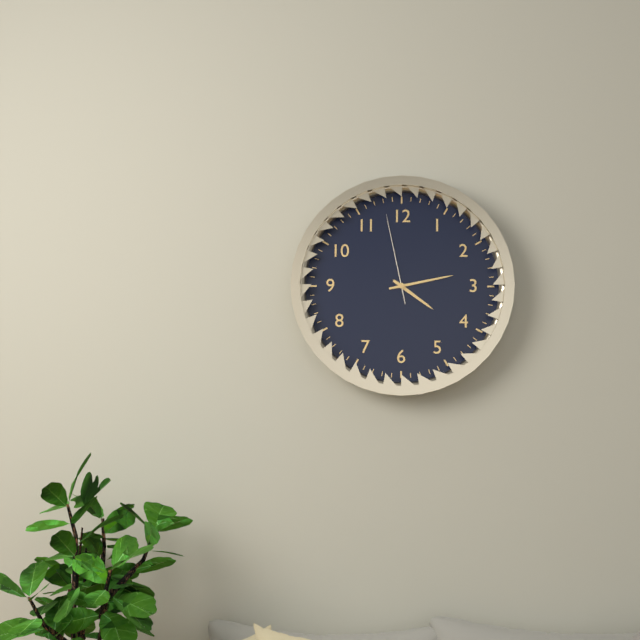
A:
4.13.58
